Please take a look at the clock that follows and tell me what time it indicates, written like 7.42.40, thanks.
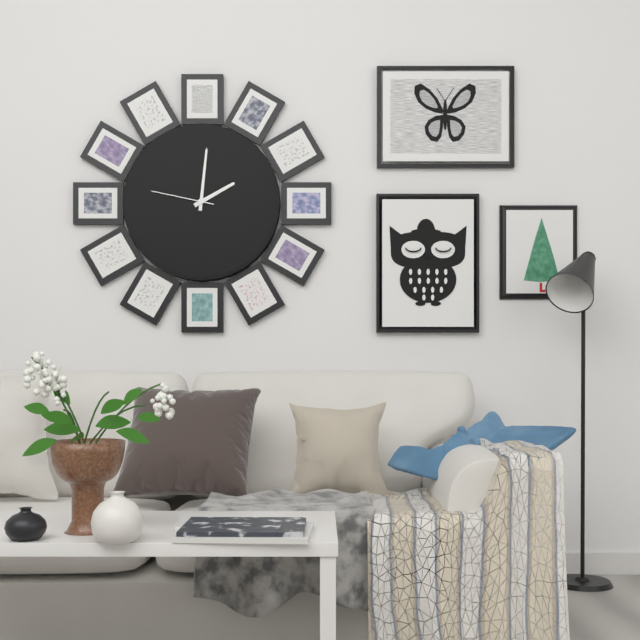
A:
2.01.47
